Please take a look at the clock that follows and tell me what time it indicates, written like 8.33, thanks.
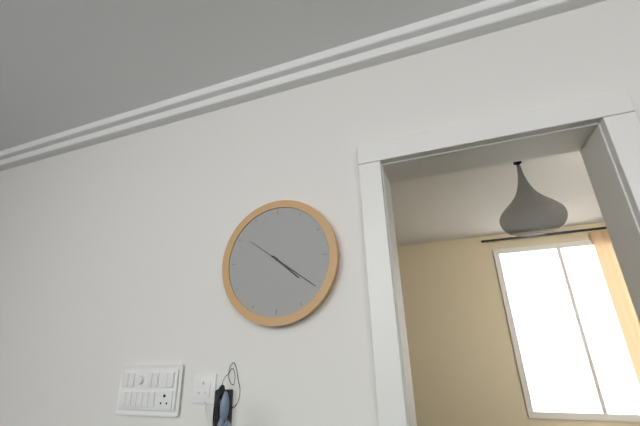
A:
4.21
